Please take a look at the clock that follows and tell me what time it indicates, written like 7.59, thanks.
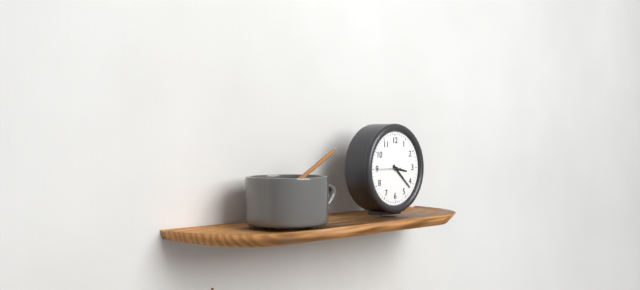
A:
3.22
